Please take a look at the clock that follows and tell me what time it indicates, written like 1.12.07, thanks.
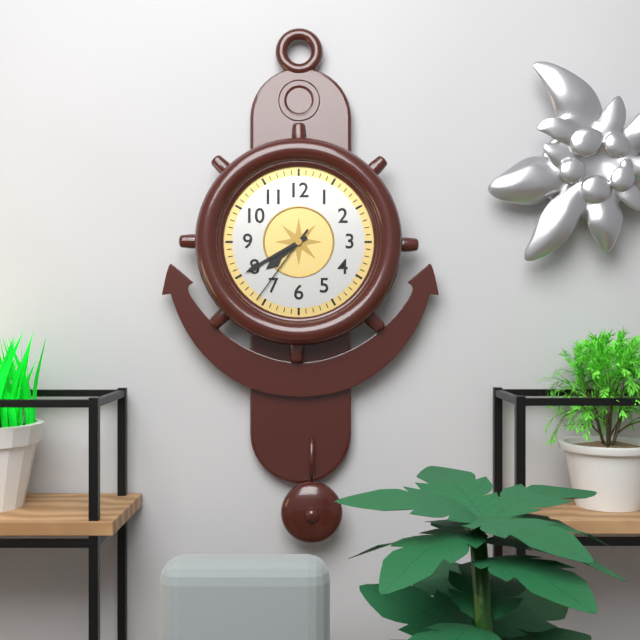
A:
7.40.36
